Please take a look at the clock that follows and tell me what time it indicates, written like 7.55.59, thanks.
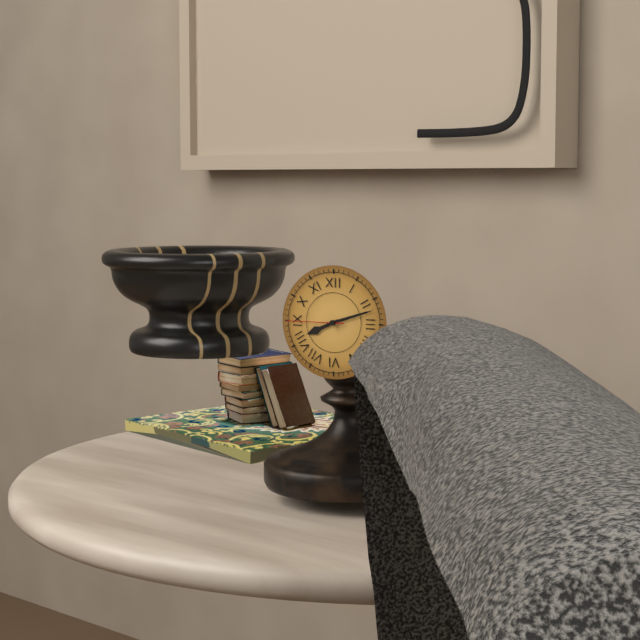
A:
8.12.45
